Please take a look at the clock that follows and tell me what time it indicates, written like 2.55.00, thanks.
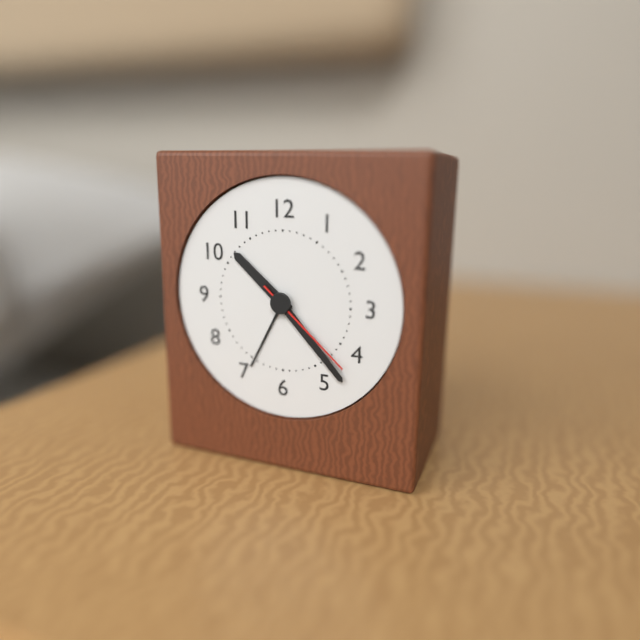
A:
10.23.22
